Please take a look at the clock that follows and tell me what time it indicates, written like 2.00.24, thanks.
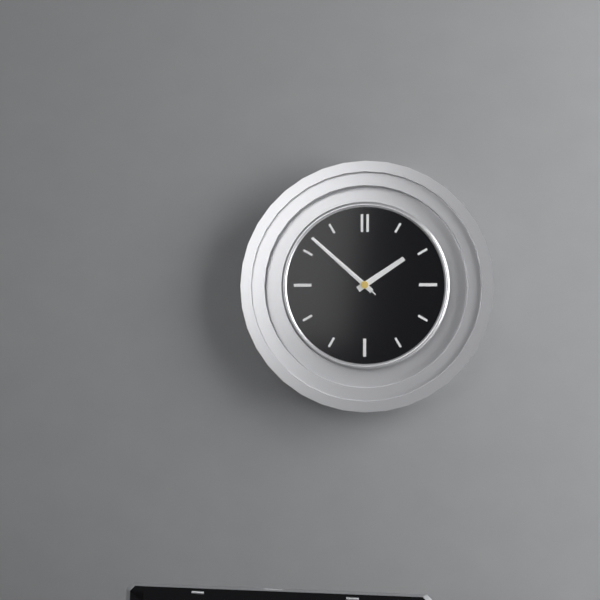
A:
1.52.52
